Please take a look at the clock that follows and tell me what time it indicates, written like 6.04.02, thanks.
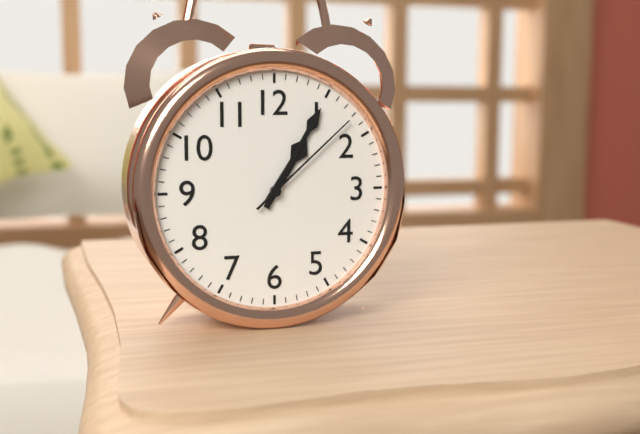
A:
1.05.08
